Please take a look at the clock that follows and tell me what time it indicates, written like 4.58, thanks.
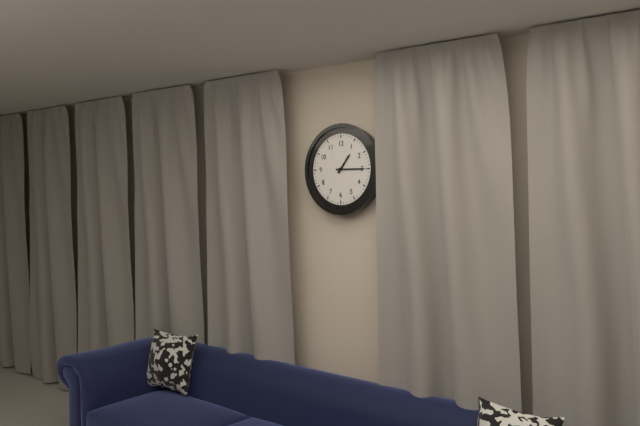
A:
1.15
